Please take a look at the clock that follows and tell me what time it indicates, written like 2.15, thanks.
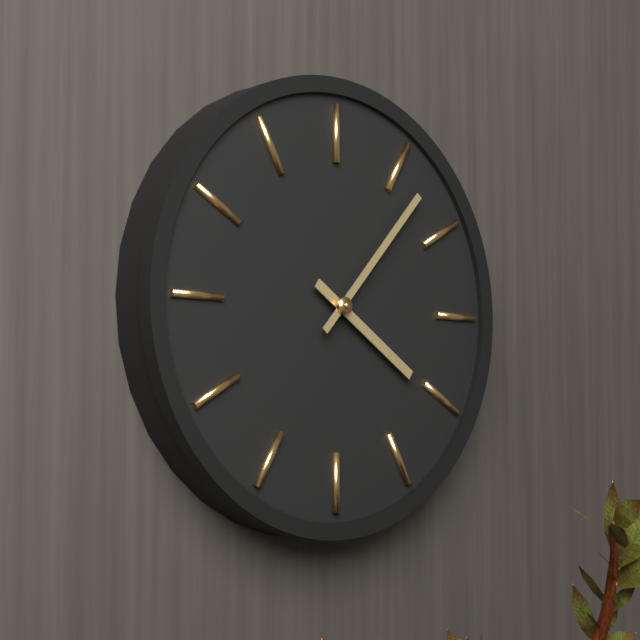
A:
4.07
